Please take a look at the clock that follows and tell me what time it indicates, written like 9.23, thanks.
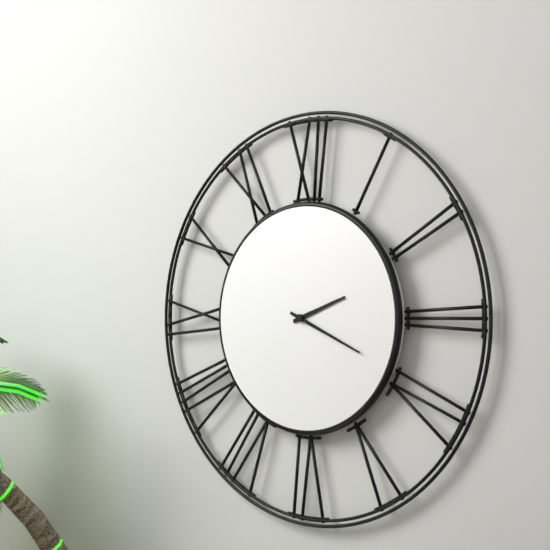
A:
2.19
